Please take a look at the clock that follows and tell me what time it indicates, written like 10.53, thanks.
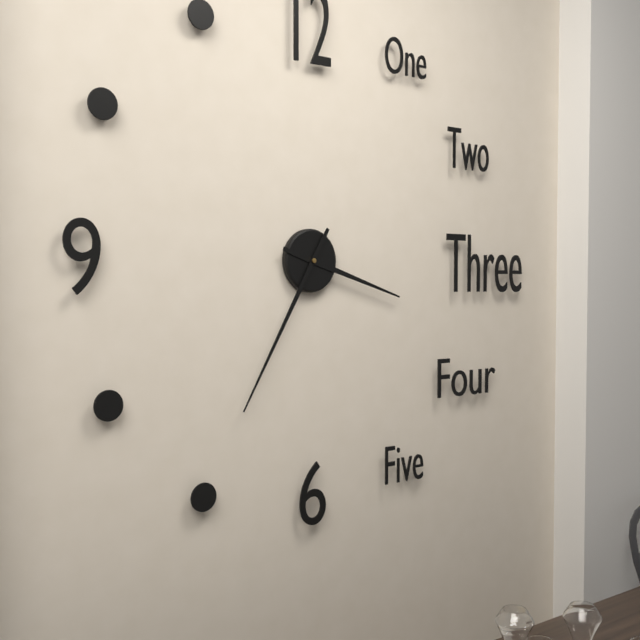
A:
3.35
